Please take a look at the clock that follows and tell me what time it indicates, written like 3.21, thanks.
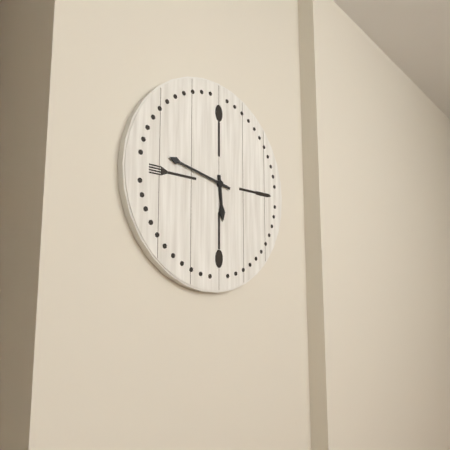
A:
5.47
